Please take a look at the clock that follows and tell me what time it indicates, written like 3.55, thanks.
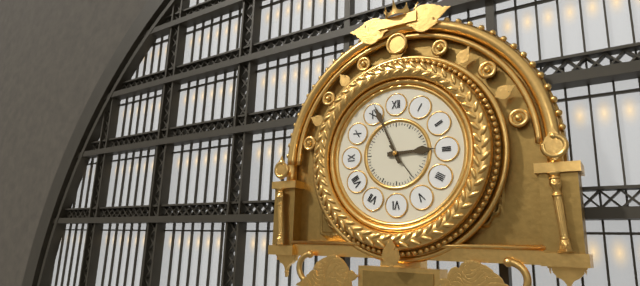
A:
2.56
